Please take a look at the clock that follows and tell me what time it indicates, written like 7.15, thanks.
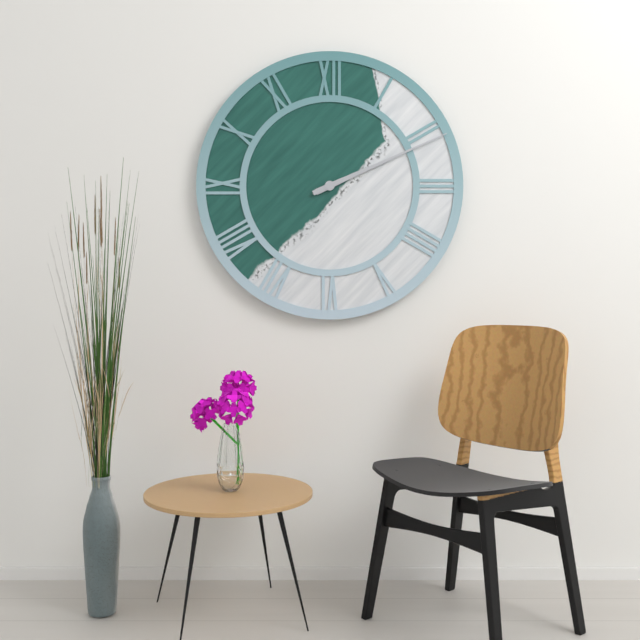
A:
2.11
